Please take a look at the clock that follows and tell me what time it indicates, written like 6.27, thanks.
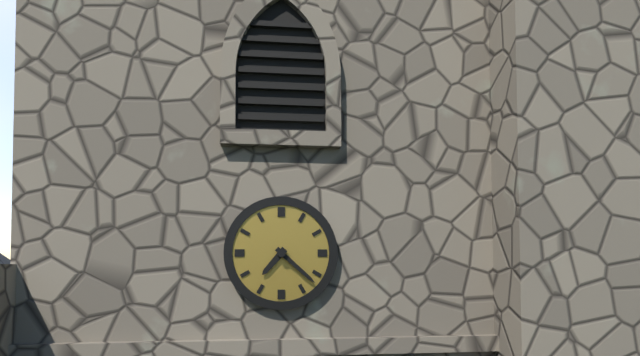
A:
7.22
